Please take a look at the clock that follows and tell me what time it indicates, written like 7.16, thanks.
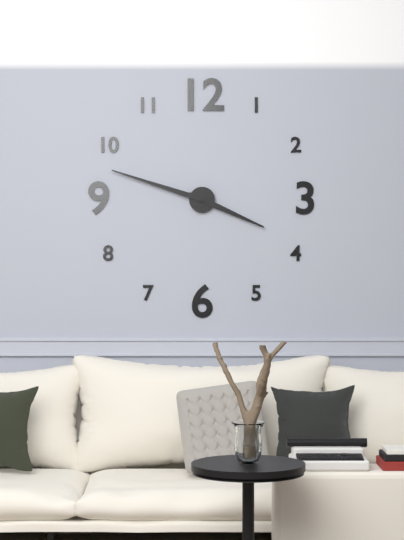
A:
3.48
